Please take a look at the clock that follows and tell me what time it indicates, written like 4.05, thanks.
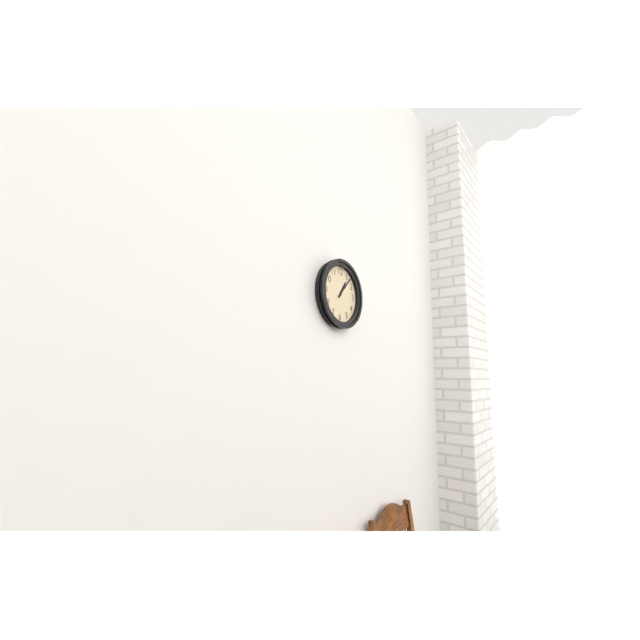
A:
1.07
